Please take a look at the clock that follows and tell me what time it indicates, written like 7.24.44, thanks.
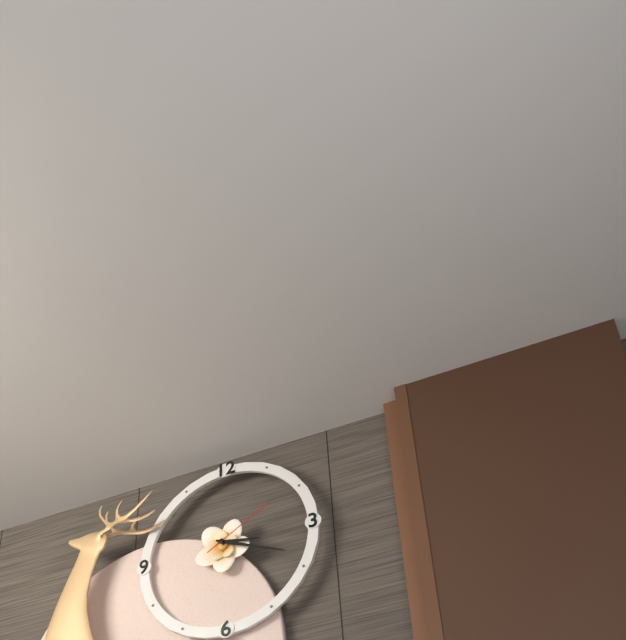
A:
3.19.10
